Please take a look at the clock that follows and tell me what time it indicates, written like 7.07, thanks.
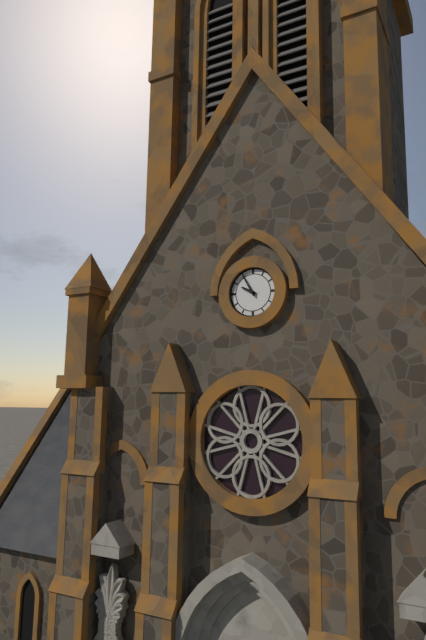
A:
9.55
